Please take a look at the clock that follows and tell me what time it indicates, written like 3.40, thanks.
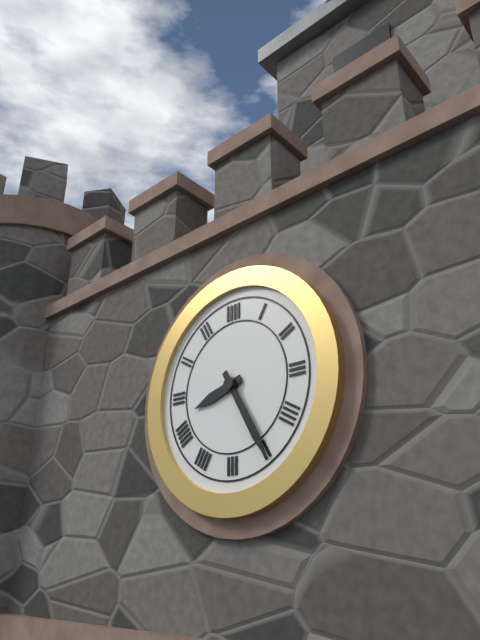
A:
8.25
